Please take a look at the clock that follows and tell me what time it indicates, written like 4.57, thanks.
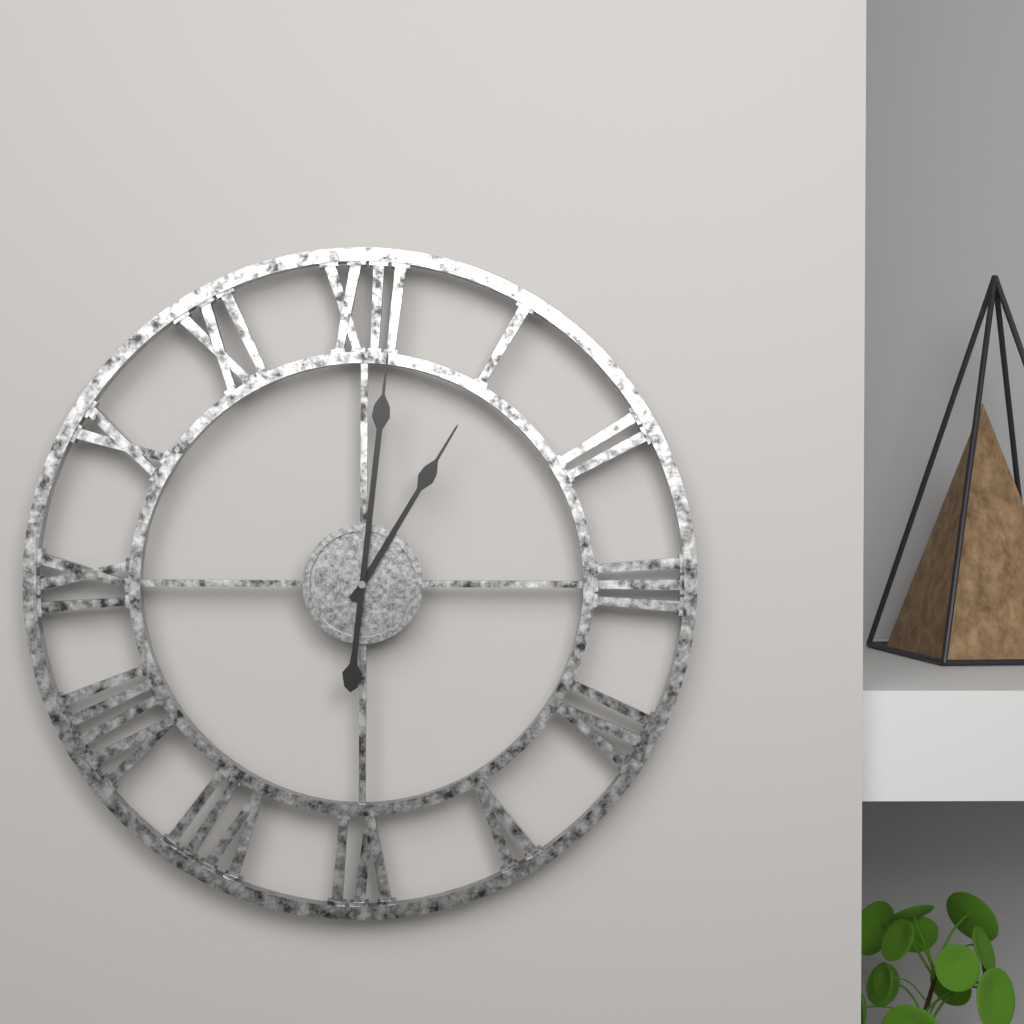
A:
1.01
